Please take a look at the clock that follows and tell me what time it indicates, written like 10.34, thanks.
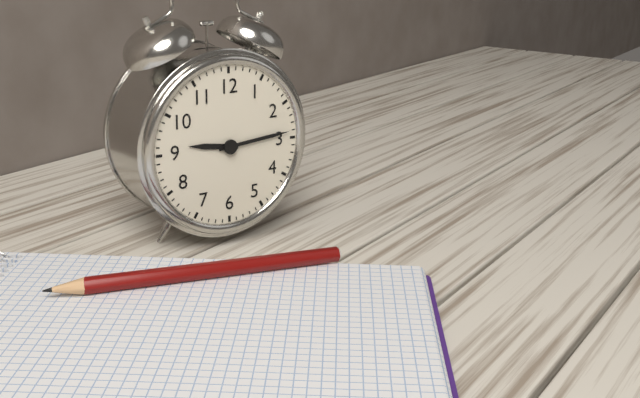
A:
9.14
